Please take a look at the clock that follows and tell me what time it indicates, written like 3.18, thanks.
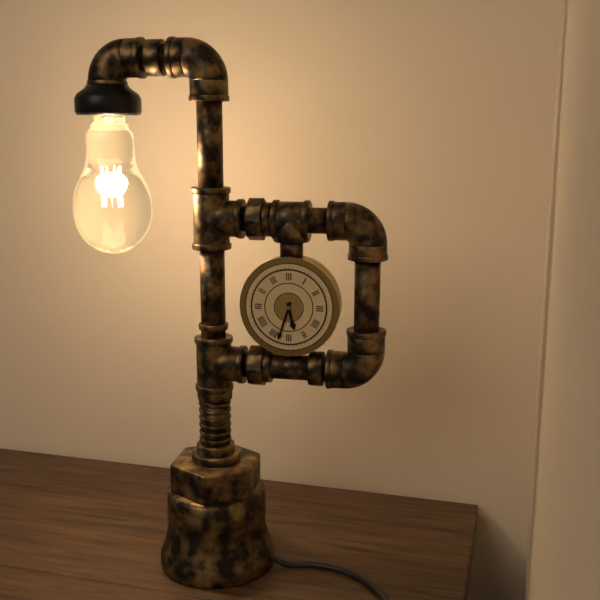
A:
5.33
